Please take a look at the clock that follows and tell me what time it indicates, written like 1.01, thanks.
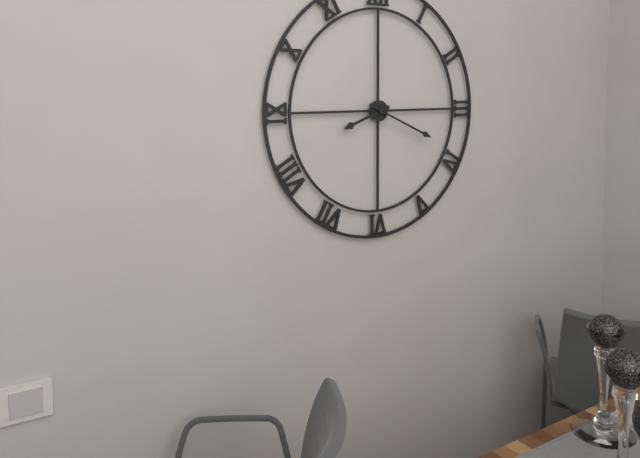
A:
8.19
